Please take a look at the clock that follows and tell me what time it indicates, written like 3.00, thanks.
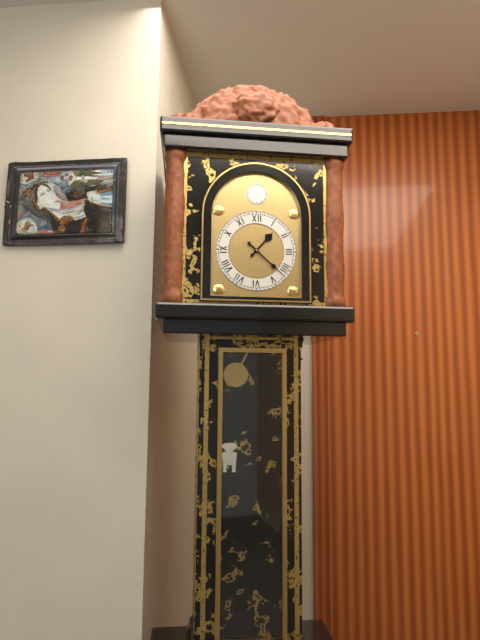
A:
1.22
